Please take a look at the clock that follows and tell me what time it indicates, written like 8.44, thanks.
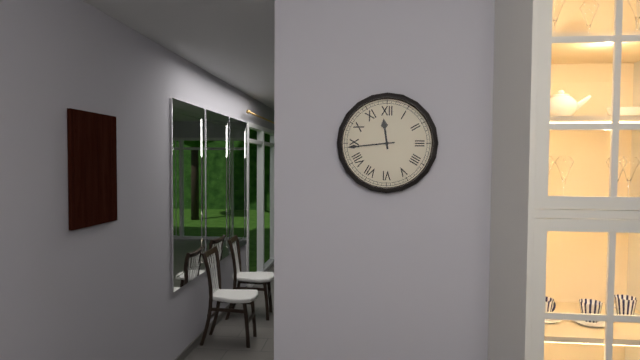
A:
11.44
